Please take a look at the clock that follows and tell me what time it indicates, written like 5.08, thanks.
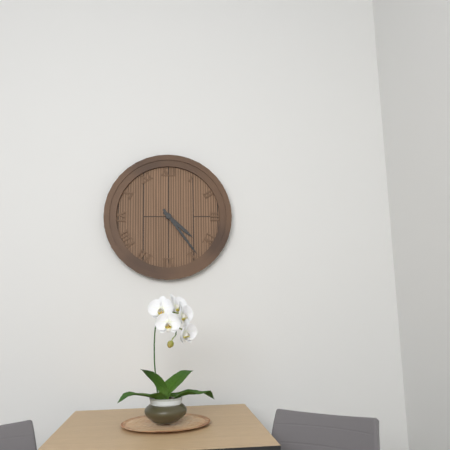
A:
4.24
